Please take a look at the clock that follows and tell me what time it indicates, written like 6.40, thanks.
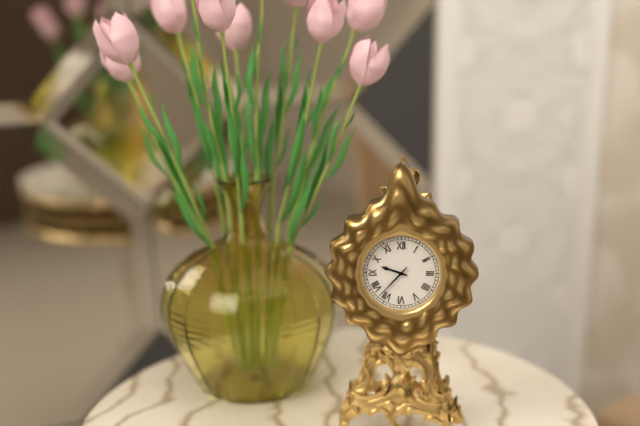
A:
9.37
